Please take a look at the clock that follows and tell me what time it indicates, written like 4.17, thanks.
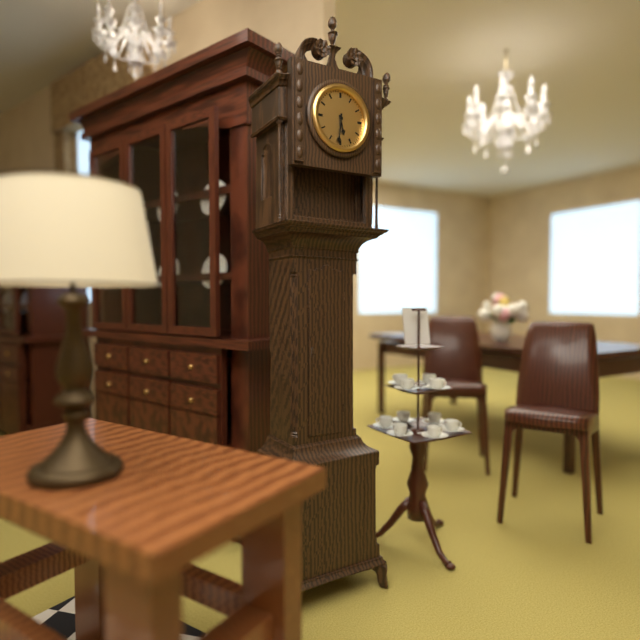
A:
5.31
